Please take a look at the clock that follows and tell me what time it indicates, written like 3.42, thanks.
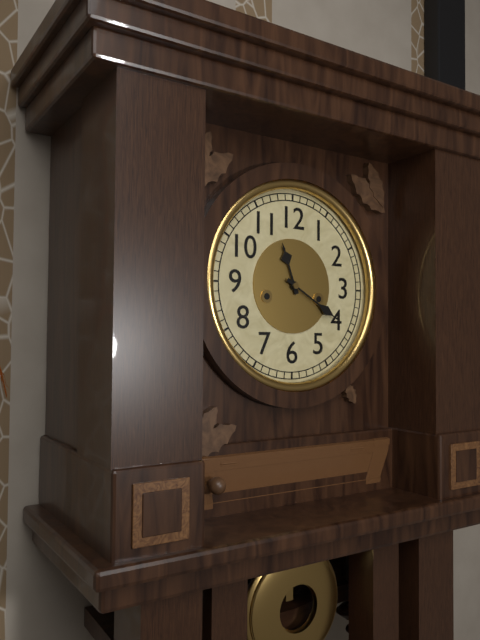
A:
11.20
